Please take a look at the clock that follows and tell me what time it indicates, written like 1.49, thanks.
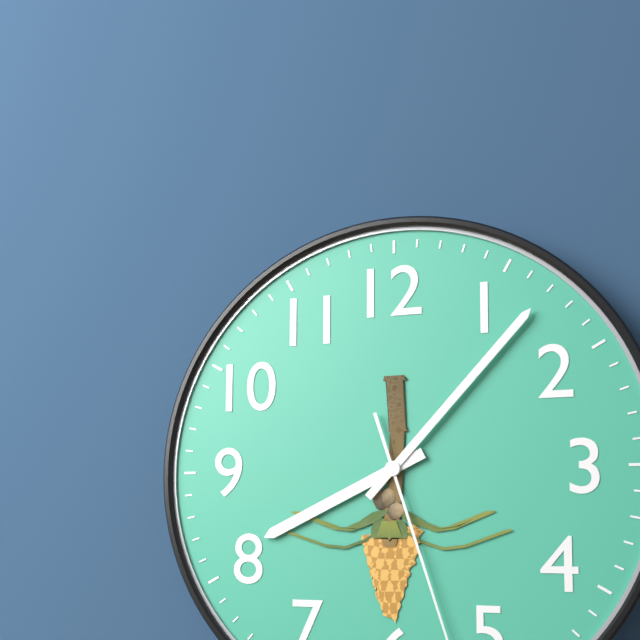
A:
8.07
